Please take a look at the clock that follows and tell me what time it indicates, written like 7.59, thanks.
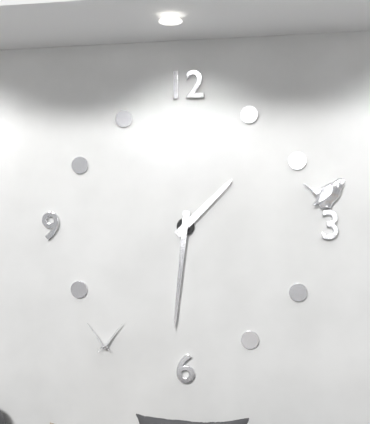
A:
1.31
